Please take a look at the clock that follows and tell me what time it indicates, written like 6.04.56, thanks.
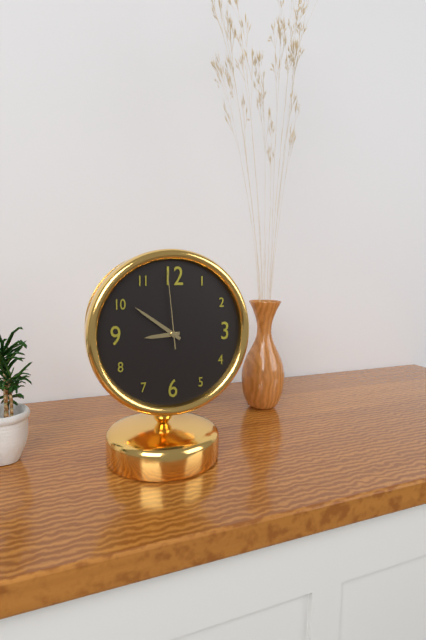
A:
8.51.59
